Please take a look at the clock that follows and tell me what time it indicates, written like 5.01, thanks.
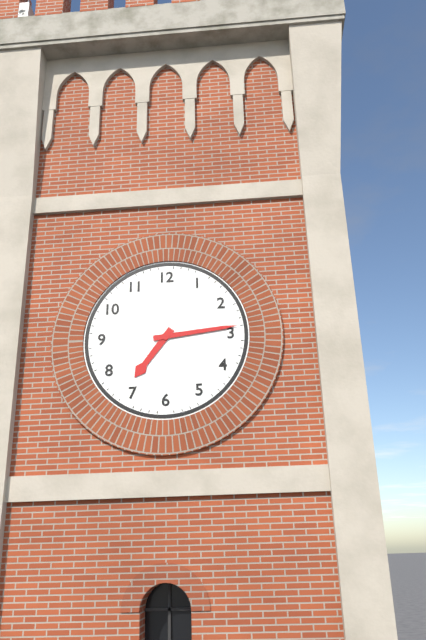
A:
7.14
